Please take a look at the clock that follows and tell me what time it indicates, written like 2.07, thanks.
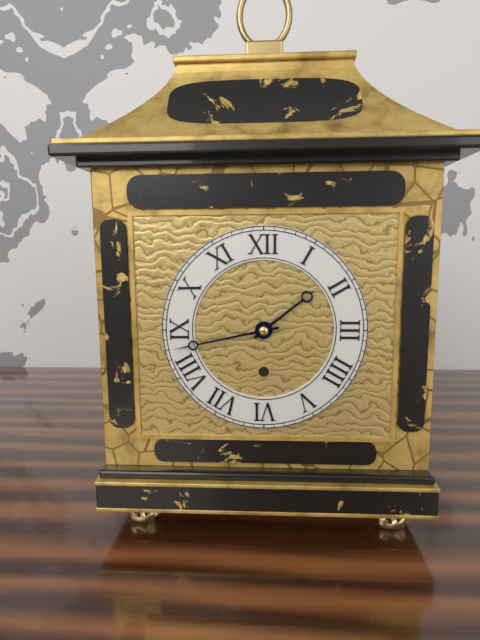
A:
1.43
